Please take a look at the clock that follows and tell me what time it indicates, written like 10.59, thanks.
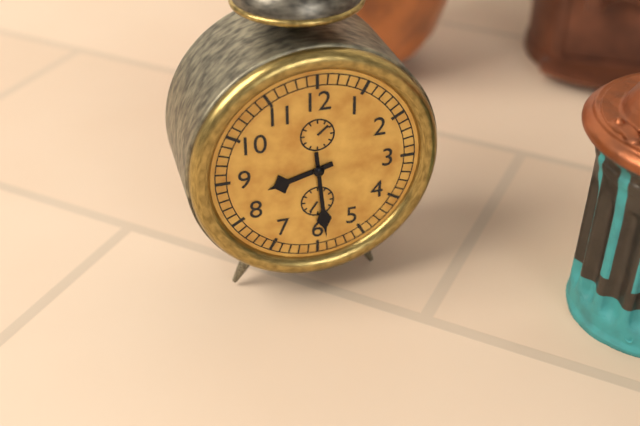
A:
8.29
